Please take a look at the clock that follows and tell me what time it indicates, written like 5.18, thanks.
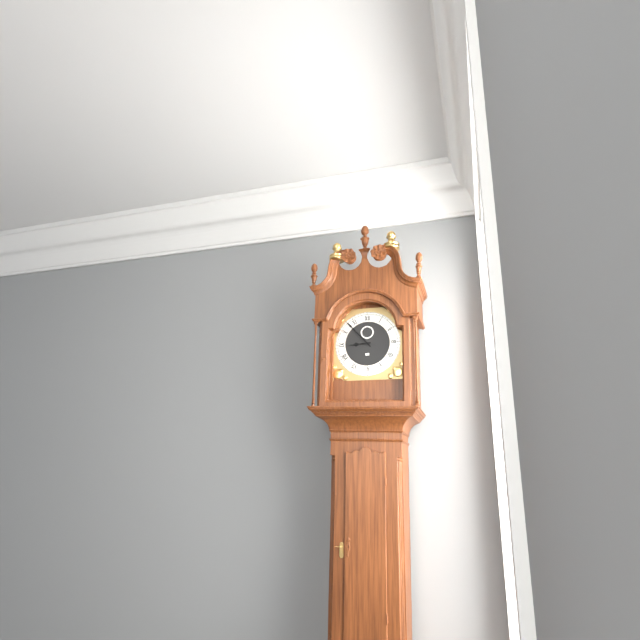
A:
8.53
